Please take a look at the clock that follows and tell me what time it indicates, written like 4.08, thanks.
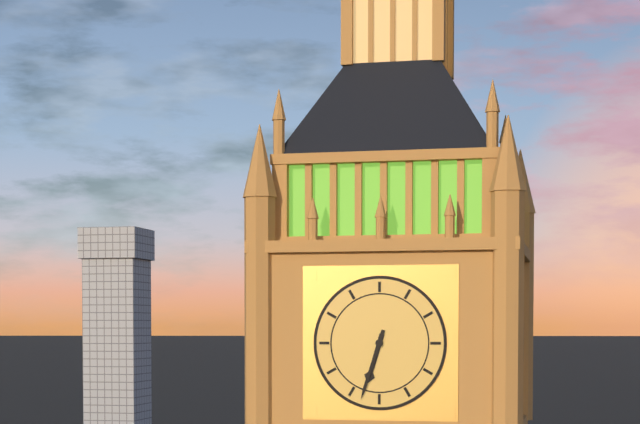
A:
6.33
